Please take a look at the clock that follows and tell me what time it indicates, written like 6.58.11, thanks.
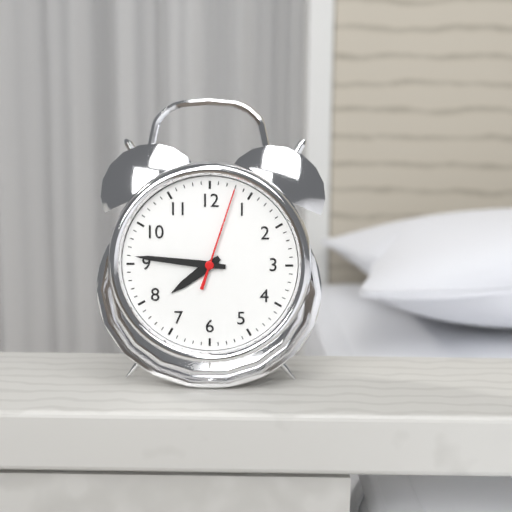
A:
7.46.03
